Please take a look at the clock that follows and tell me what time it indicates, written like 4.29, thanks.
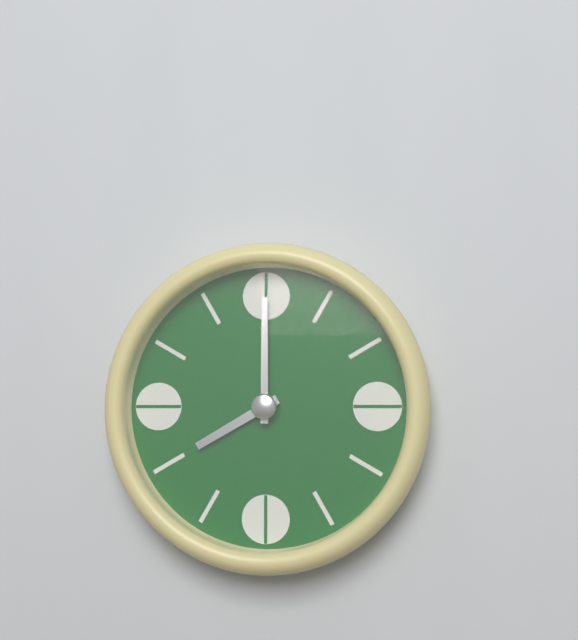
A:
8.00
